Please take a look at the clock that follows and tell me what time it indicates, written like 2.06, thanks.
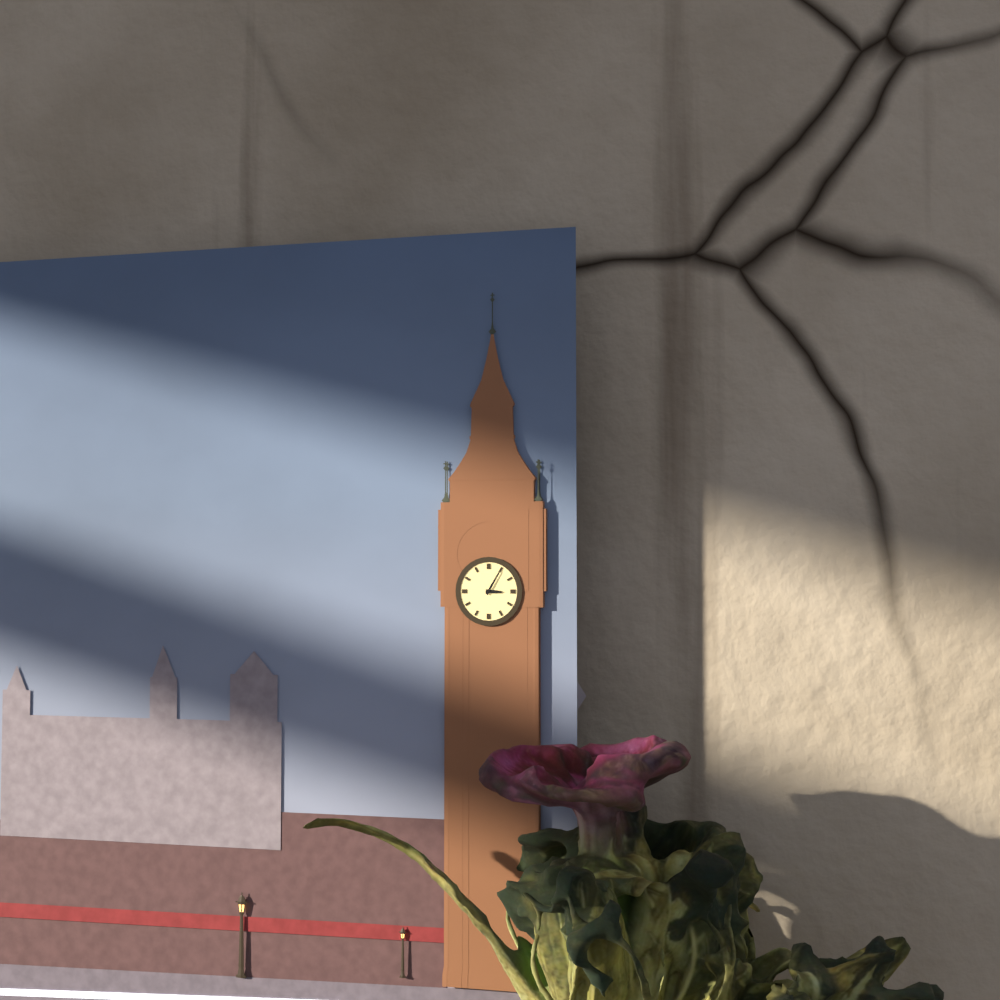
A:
3.05
